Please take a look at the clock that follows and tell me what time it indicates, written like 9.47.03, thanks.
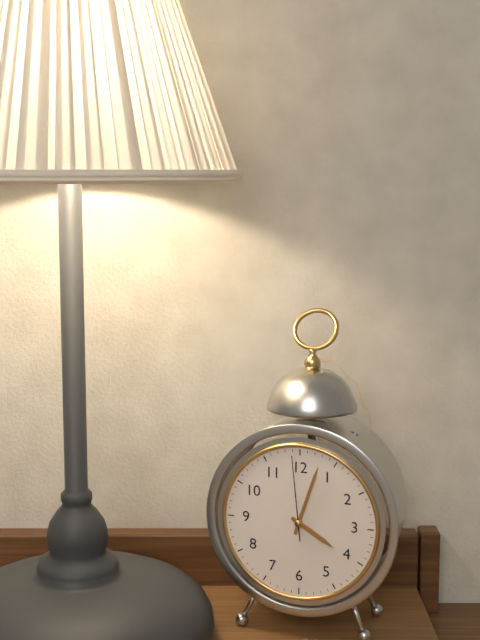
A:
4.03.59
